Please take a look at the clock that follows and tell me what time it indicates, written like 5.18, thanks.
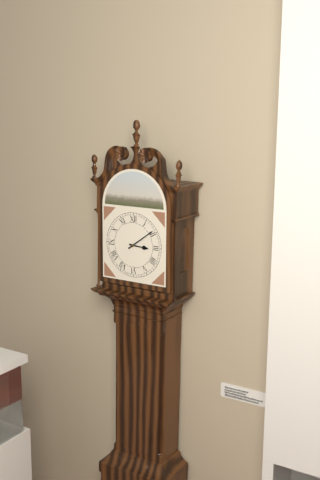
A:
3.09
